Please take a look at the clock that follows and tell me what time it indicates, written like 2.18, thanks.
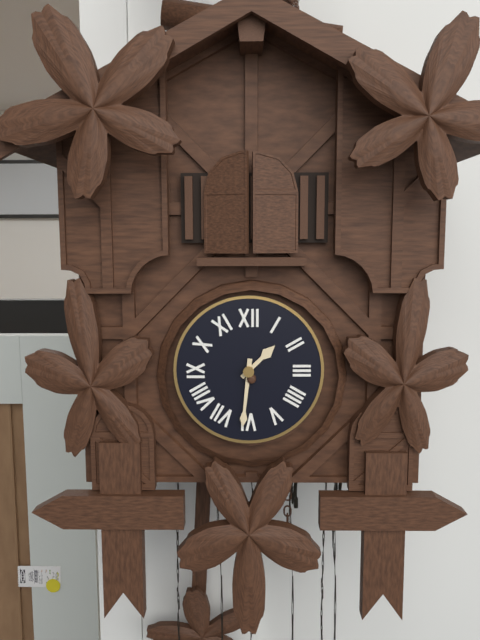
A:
1.31
